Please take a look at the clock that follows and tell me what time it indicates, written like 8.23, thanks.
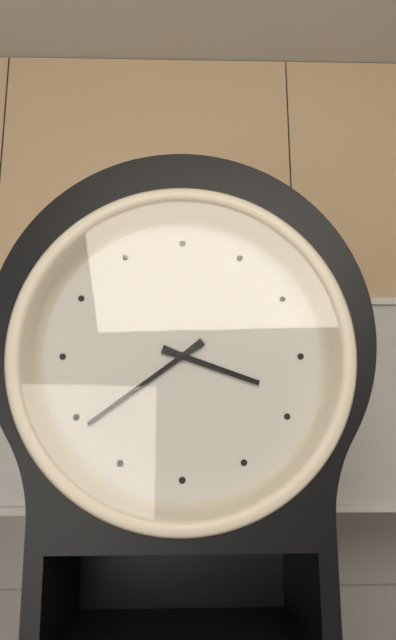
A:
3.39
